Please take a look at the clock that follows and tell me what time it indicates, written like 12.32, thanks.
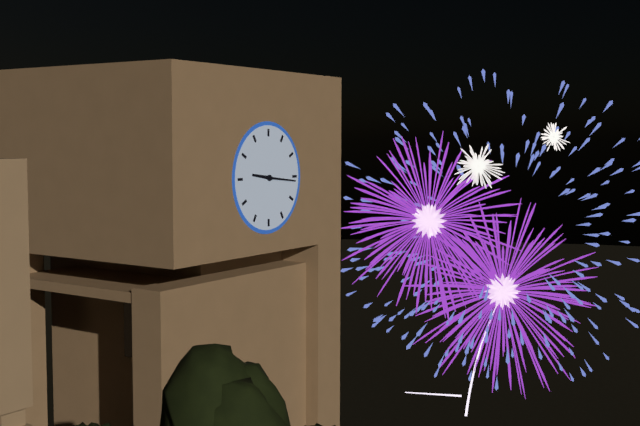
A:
9.16
